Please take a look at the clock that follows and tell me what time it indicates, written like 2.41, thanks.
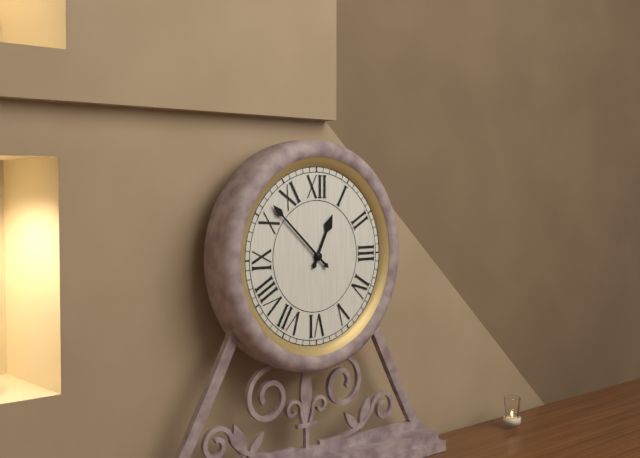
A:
12.52
